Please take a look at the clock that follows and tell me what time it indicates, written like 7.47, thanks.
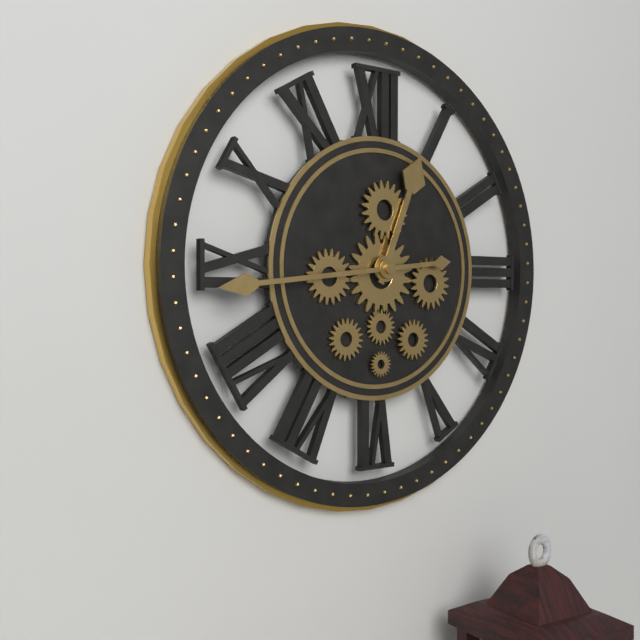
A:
12.44
